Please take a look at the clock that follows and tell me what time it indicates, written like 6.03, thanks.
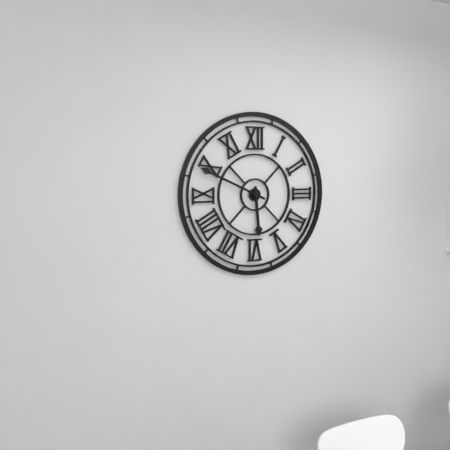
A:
5.49
